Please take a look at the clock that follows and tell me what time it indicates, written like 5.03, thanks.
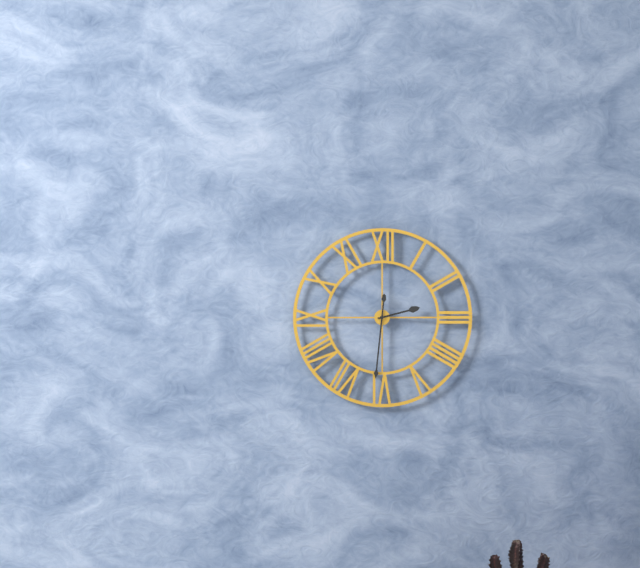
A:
2.31
